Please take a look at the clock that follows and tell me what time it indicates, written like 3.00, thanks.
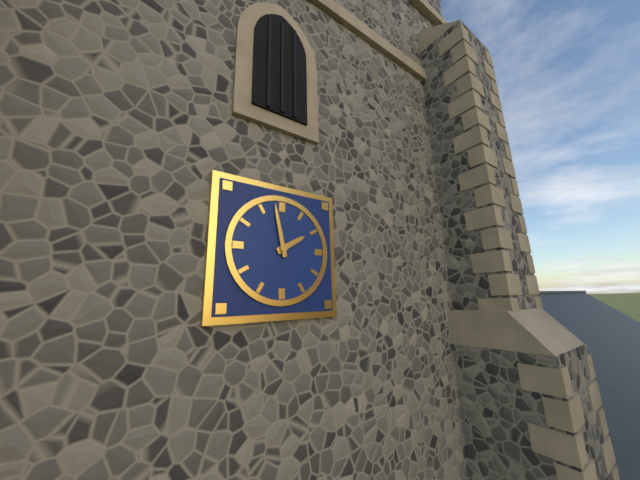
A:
1.58
